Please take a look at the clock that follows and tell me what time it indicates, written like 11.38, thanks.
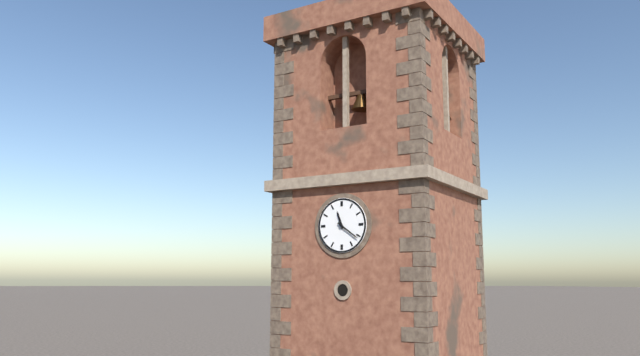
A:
11.21
